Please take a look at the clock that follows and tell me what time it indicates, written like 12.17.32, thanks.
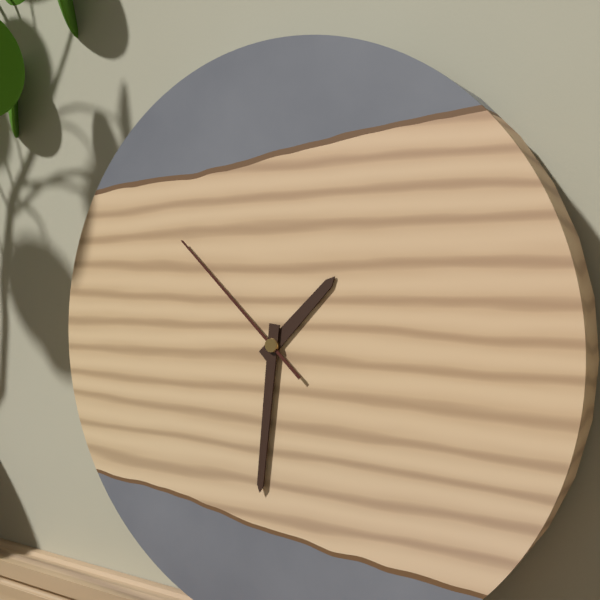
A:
1.31.52
